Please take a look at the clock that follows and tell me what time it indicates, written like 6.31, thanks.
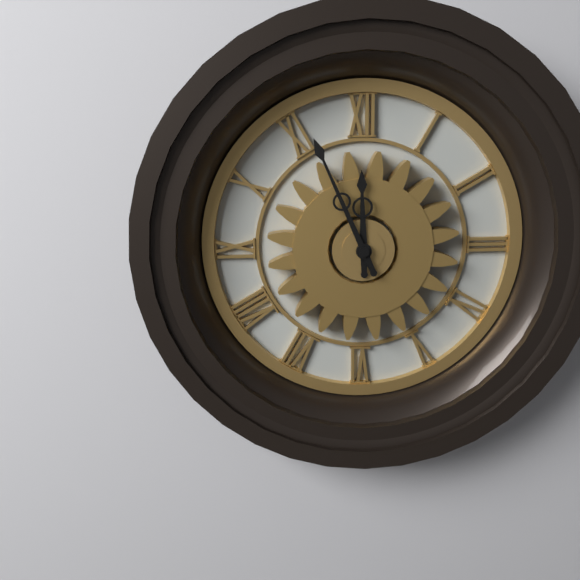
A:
11.56
